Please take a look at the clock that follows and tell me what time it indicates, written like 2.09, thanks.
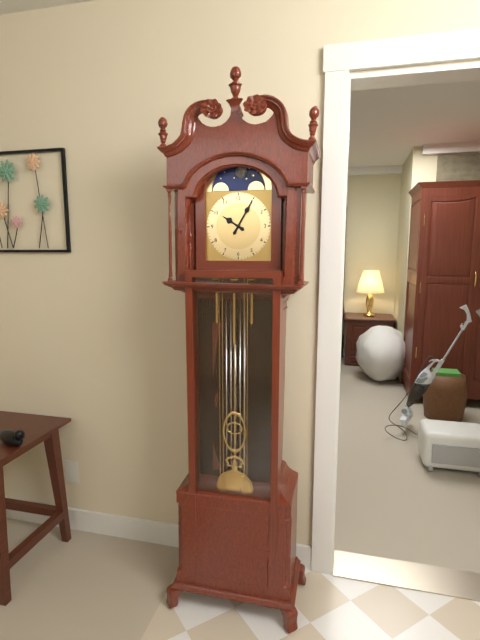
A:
10.05
